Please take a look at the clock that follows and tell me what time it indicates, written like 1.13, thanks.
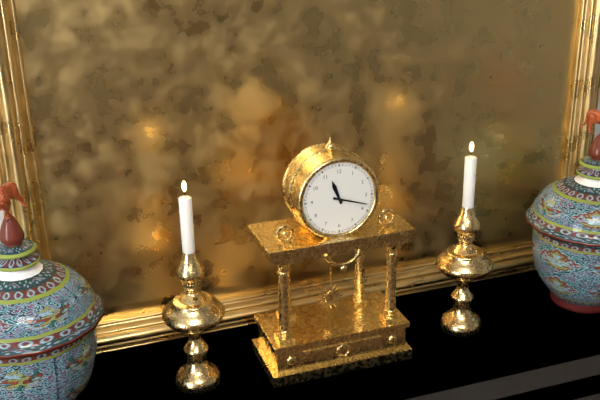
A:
11.18
